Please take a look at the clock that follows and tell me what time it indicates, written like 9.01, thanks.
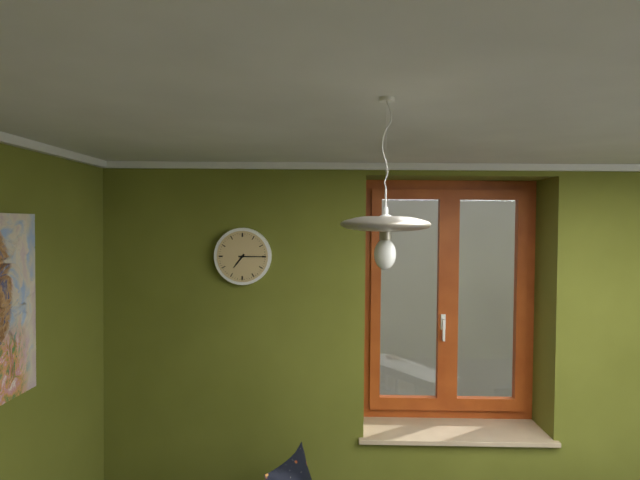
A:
7.15
